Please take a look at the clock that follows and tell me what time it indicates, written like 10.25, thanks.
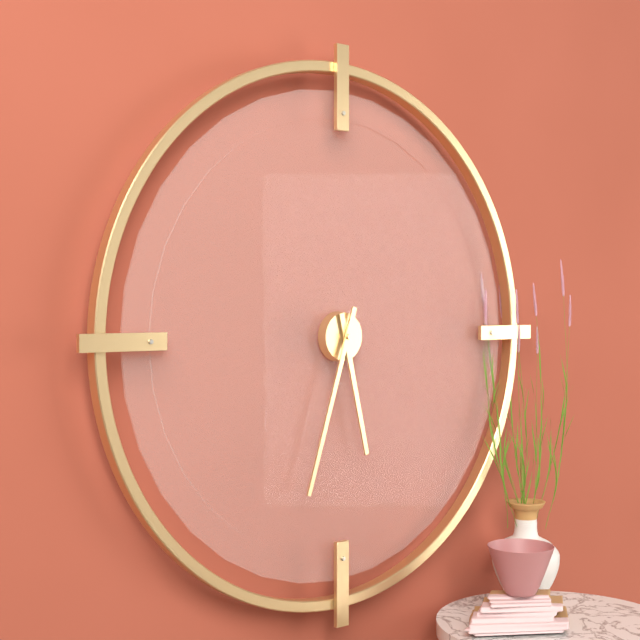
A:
5.33
